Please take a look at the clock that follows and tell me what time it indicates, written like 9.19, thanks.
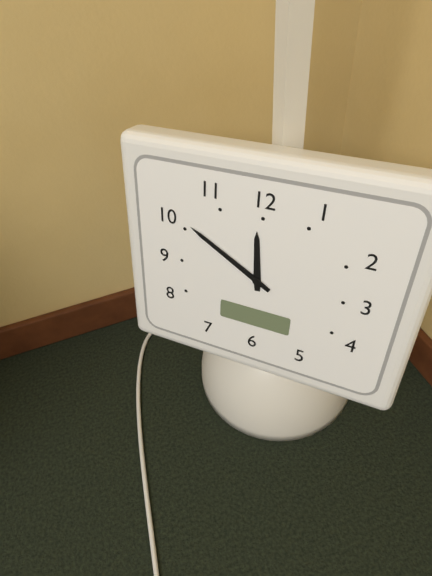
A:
11.50
